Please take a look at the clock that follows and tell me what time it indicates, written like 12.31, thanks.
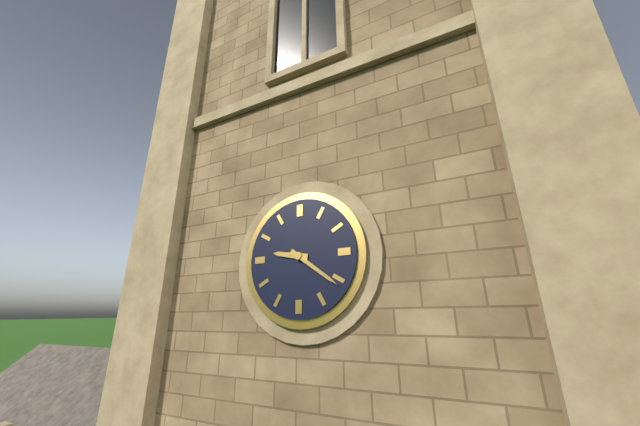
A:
9.21
